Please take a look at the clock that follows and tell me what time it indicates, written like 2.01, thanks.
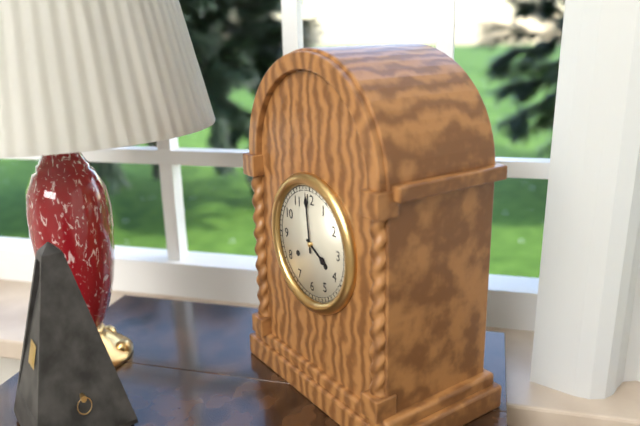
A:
3.59
